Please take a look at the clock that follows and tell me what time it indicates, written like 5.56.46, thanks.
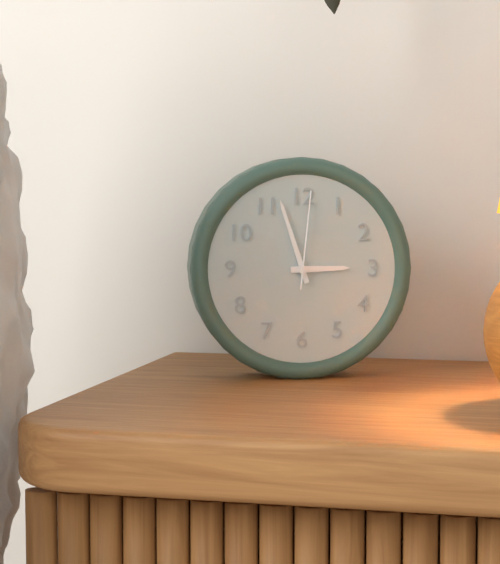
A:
2.57.01
